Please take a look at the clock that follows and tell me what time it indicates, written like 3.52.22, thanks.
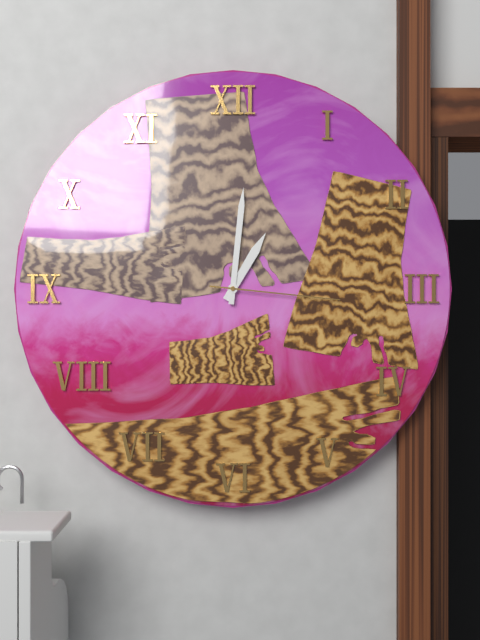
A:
1.01.16
